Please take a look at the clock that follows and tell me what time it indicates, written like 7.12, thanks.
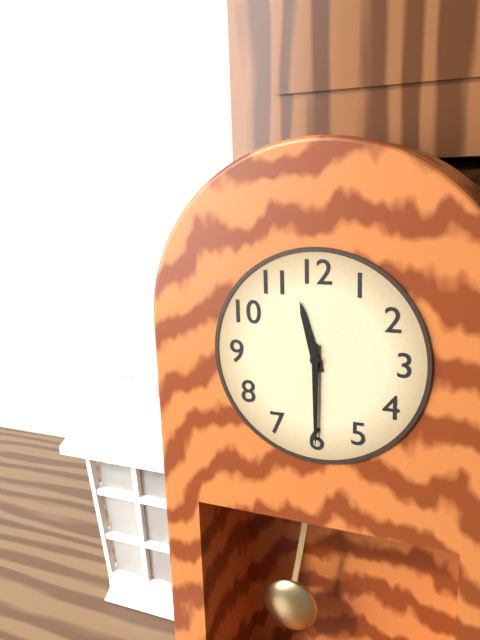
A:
11.30
